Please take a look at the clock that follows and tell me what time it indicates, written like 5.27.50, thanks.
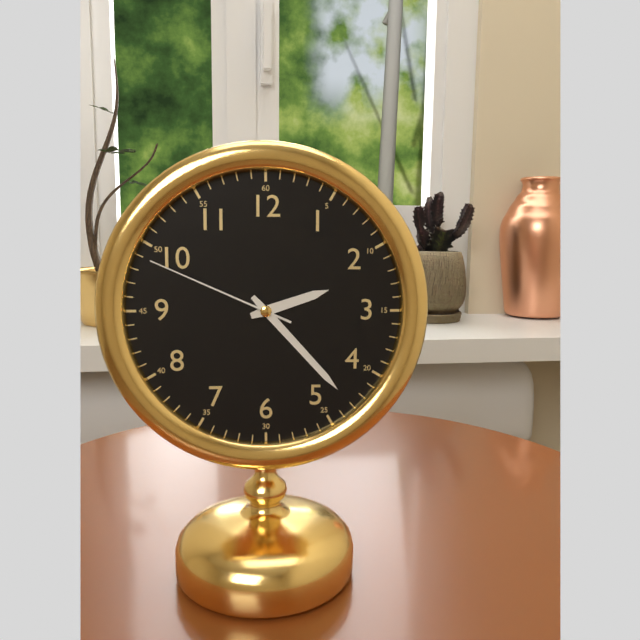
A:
2.23.49
